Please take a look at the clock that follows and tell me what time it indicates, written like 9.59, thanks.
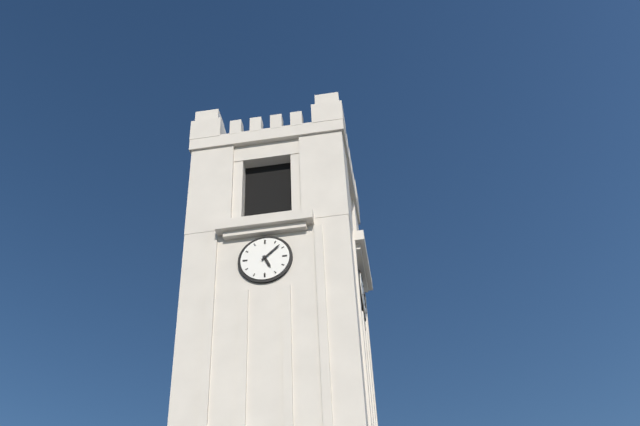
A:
5.08
